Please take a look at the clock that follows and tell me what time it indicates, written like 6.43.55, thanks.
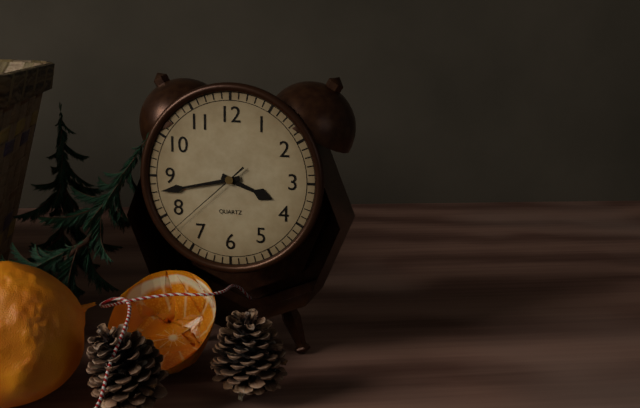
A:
3.43.38
